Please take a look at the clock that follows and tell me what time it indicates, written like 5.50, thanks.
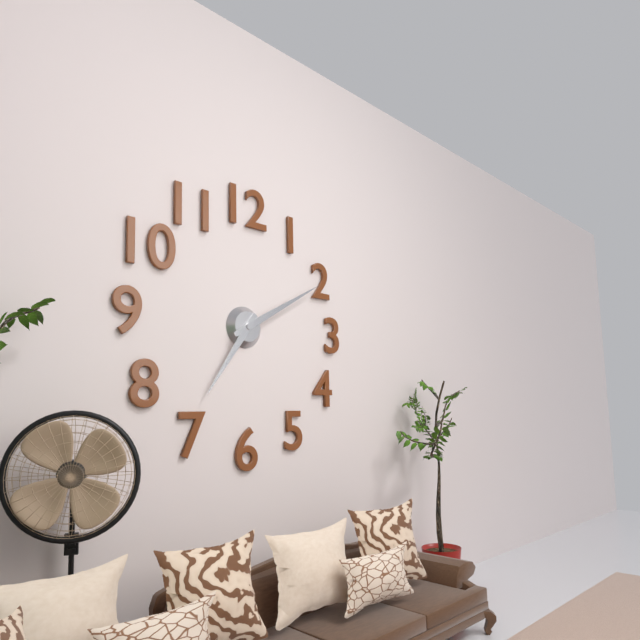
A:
7.10
